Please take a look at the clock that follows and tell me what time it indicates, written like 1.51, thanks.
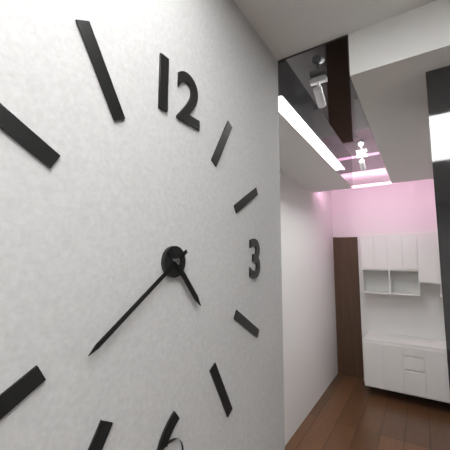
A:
4.39
